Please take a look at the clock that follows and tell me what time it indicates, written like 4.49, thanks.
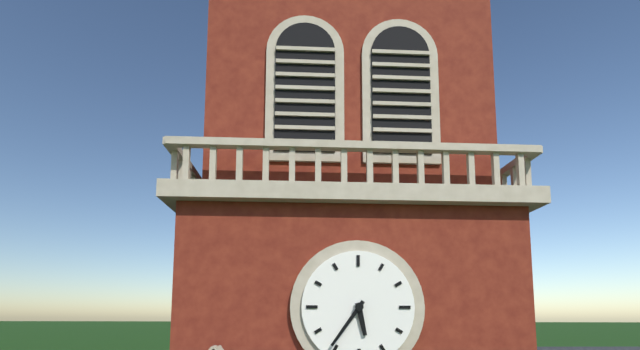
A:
5.36
